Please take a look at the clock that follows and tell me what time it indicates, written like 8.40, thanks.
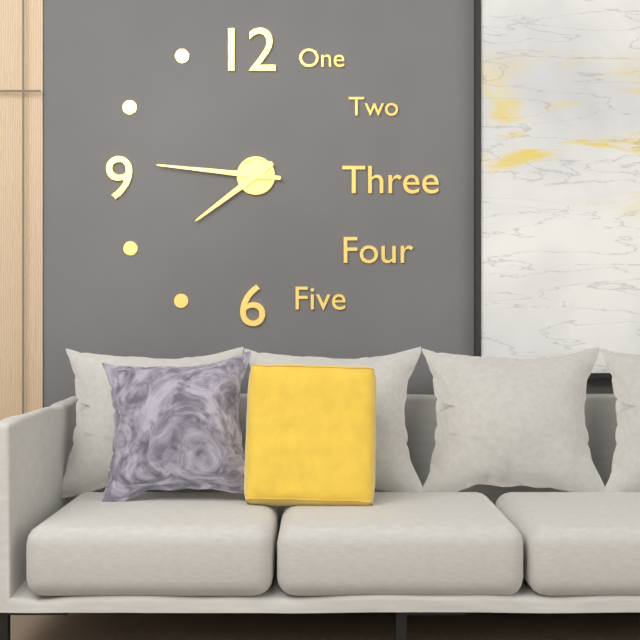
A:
7.46
